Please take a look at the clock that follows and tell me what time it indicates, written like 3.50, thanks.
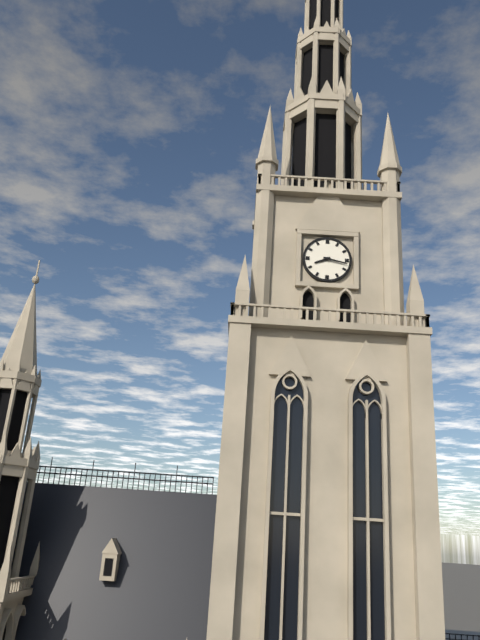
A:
8.17
